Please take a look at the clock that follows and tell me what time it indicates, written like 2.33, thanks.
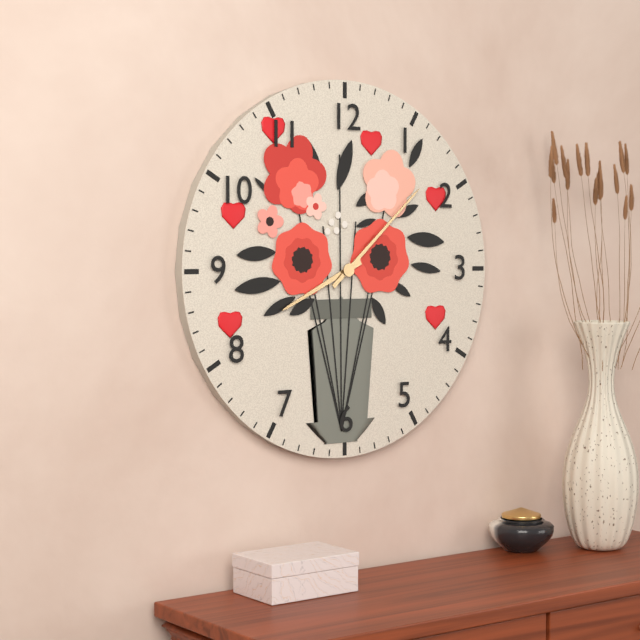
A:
8.08
